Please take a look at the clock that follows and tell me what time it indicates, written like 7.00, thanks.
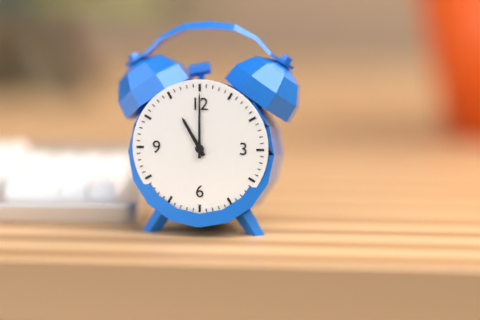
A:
11.00
